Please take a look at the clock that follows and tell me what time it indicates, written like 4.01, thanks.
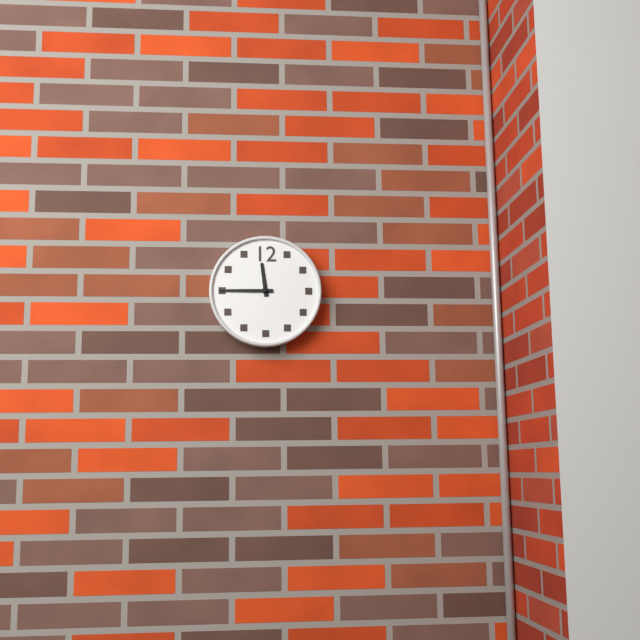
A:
11.45
